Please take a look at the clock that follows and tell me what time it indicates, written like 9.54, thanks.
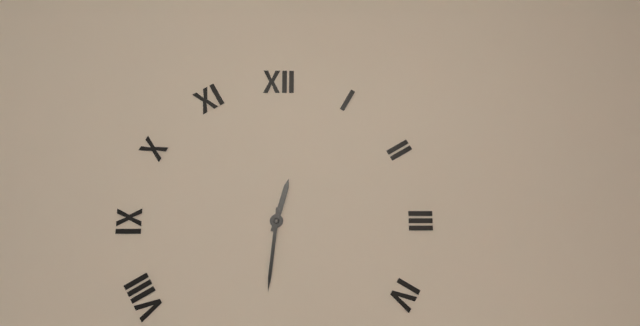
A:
12.31
